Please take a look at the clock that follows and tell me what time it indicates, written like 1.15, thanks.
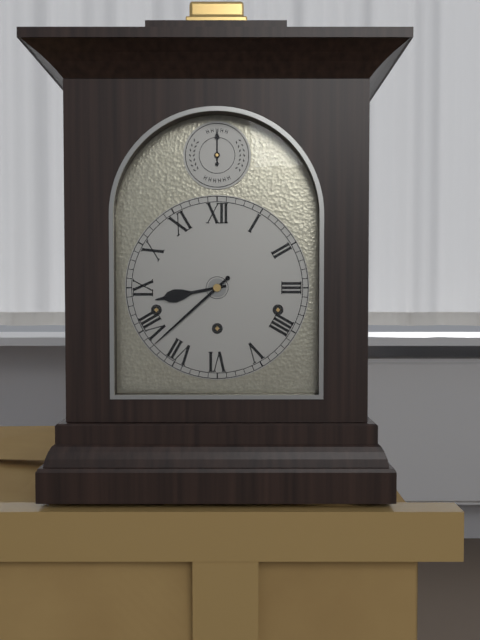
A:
8.38
